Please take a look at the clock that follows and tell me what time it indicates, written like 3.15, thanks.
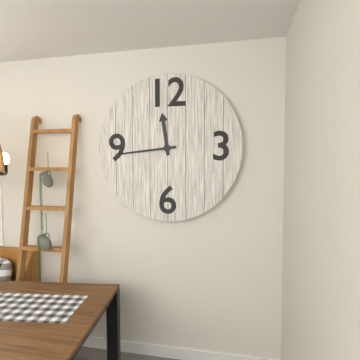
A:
11.44
